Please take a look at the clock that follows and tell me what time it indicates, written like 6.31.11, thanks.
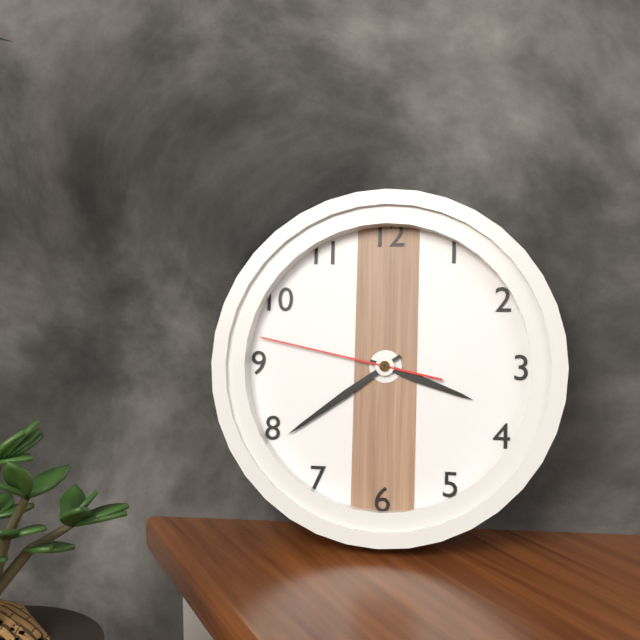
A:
3.39.47
